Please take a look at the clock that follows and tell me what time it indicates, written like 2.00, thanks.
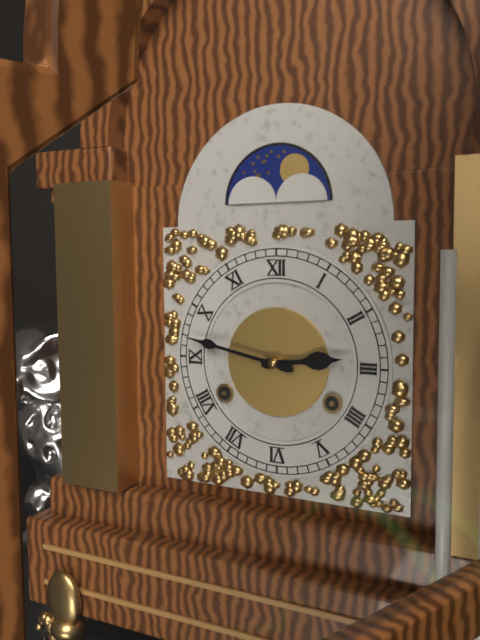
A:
2.47
